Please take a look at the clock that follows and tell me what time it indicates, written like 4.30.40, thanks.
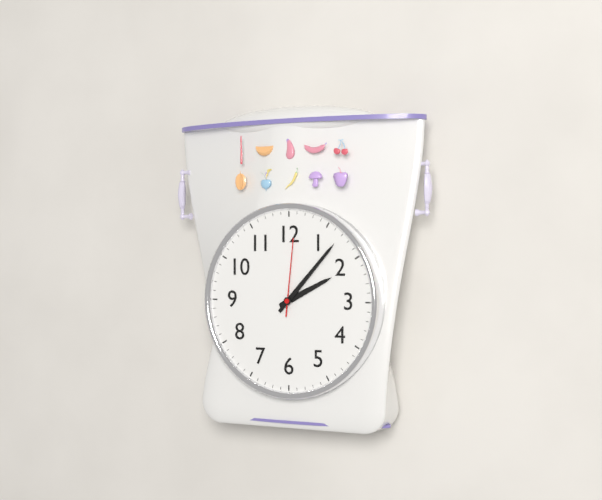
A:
2.07.01
